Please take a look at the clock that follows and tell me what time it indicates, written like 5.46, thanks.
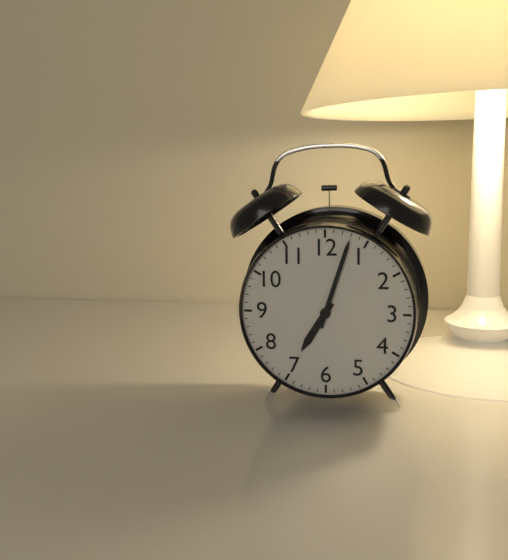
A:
7.03
